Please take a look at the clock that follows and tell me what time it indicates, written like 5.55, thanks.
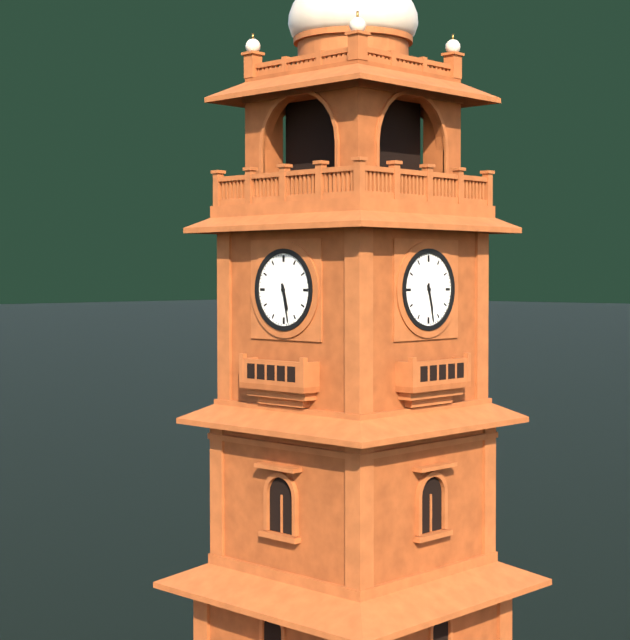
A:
5.28
